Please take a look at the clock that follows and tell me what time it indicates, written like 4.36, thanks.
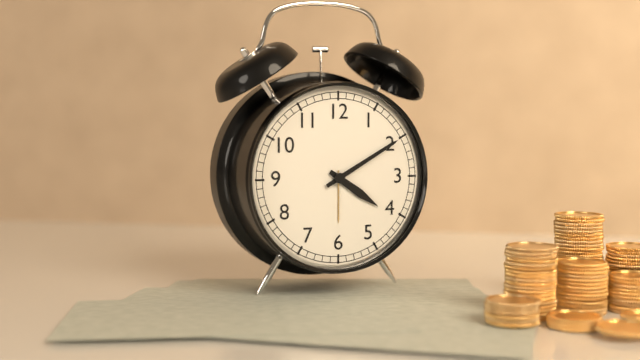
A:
4.10
